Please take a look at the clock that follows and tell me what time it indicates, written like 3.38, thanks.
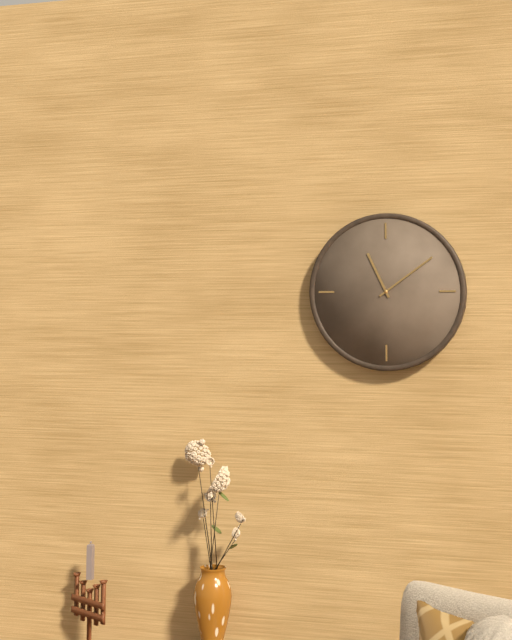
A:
11.09
